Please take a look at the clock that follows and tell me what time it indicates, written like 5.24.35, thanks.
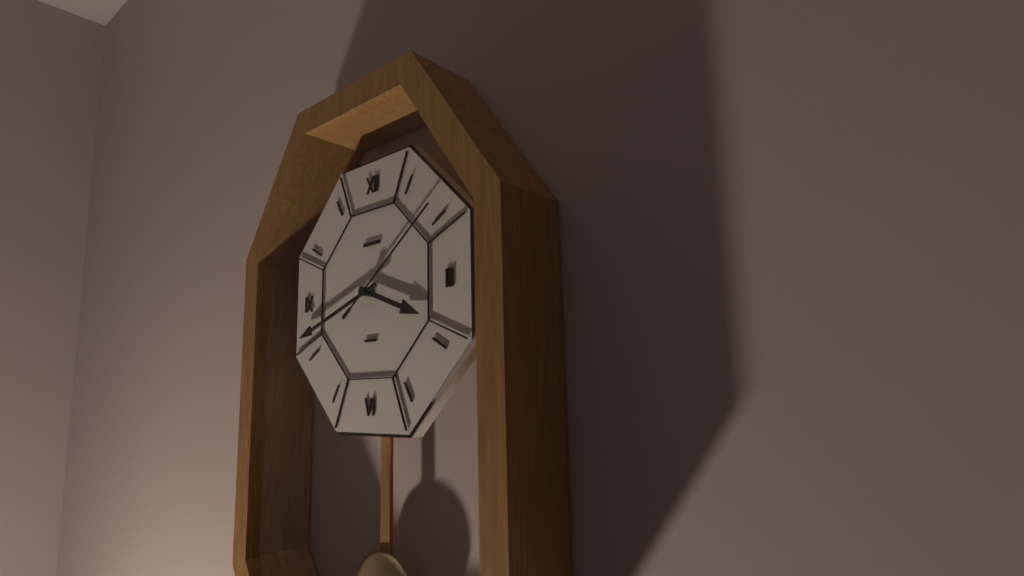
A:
3.42.09
